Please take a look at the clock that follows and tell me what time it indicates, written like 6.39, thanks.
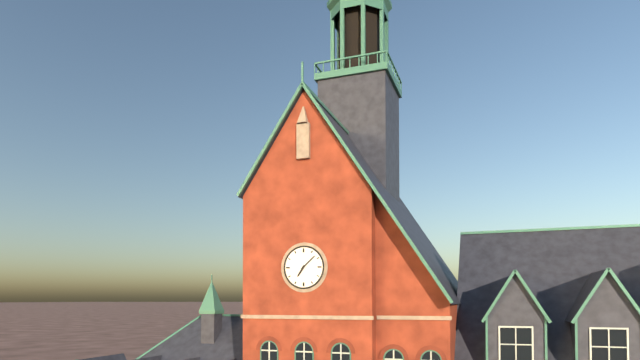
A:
7.08
